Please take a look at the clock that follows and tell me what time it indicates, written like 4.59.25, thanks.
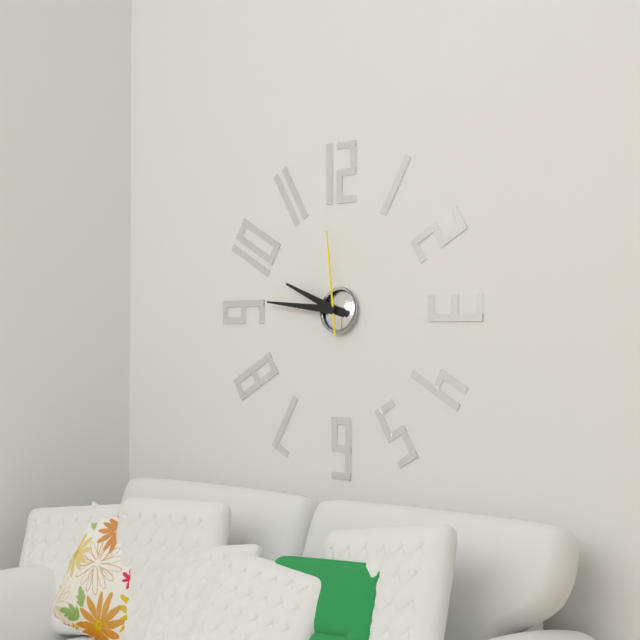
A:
9.46.59
